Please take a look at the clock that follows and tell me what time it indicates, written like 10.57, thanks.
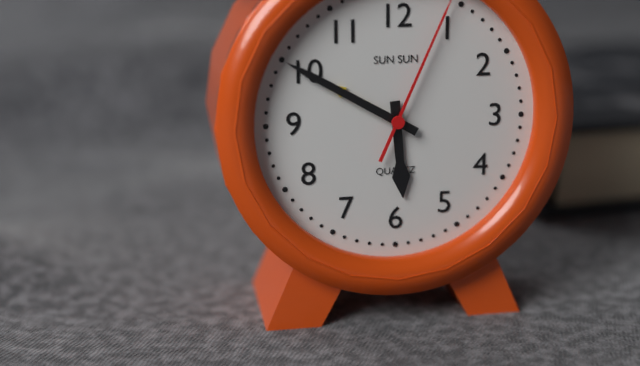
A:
5.50
